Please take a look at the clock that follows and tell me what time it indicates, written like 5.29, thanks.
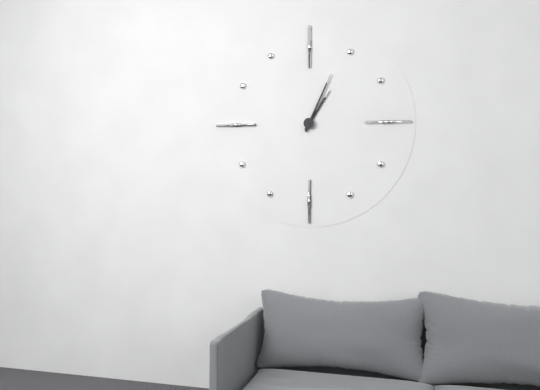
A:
1.04
